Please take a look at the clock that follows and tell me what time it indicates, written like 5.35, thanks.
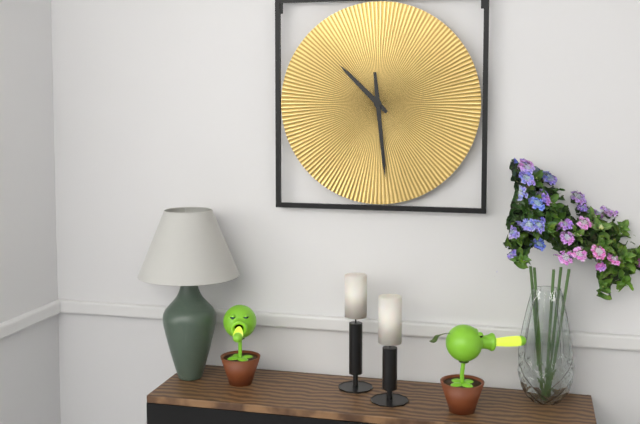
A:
10.29
